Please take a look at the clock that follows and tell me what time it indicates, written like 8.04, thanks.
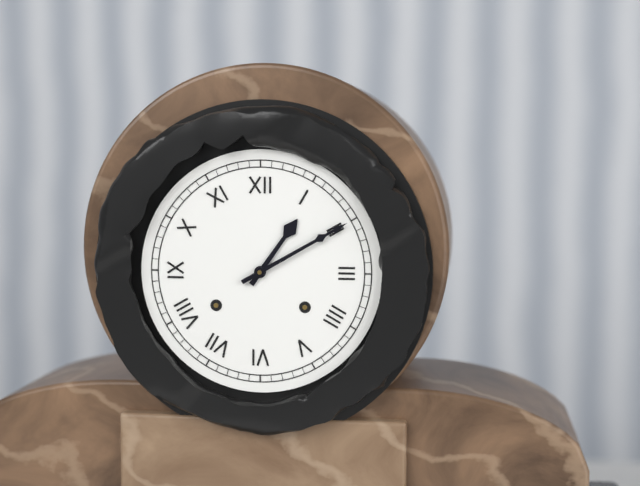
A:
1.10
